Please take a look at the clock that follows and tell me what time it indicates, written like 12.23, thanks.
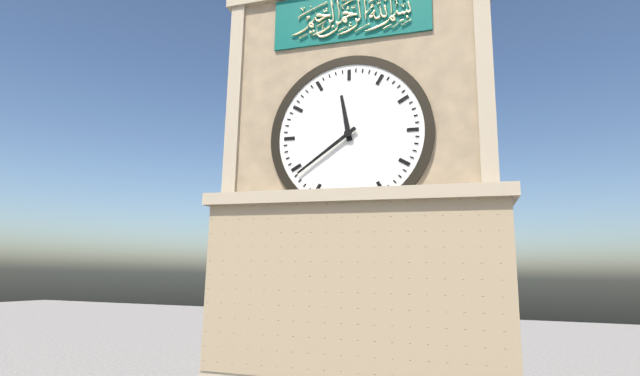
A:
11.39
